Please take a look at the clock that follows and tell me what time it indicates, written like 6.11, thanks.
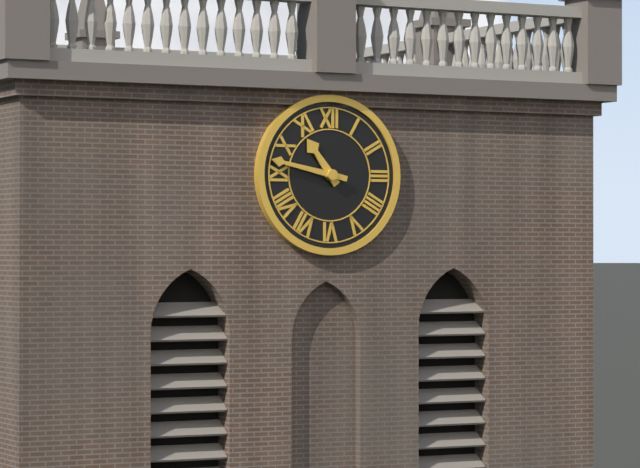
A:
10.47
